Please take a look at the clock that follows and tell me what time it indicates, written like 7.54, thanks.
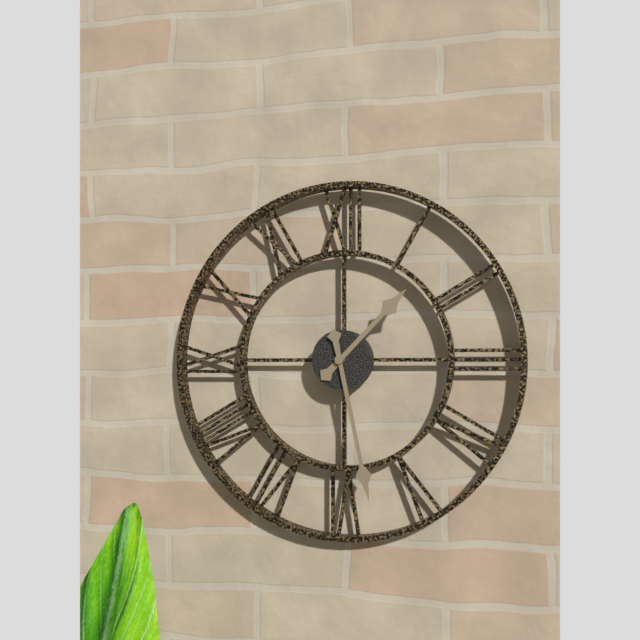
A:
1.28
